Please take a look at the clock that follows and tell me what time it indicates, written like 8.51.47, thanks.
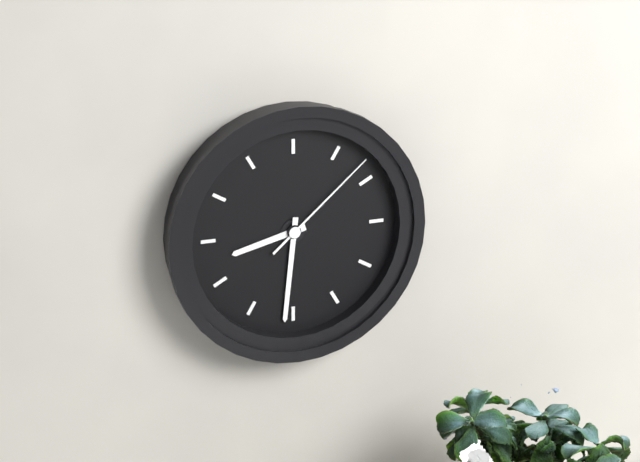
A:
8.31.08
